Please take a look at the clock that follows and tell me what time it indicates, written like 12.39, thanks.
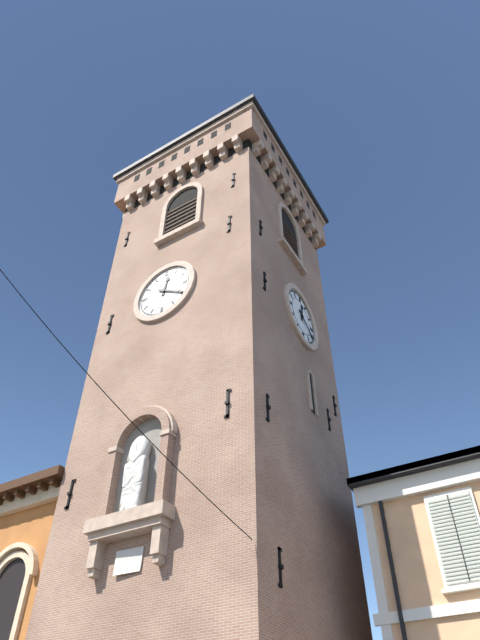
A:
12.20
